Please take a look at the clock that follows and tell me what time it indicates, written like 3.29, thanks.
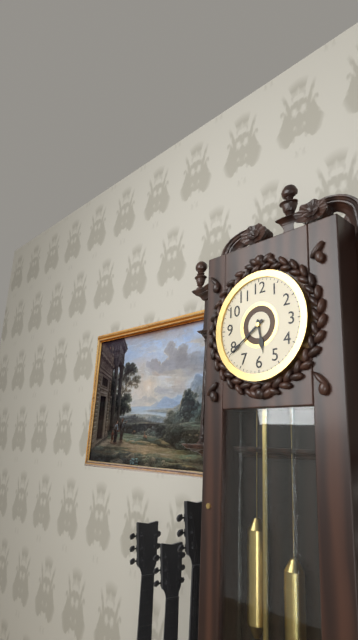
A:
5.39
